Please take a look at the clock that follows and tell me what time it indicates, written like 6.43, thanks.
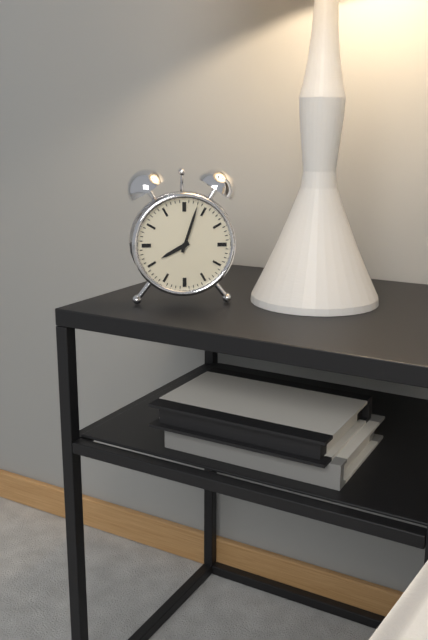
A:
8.03
